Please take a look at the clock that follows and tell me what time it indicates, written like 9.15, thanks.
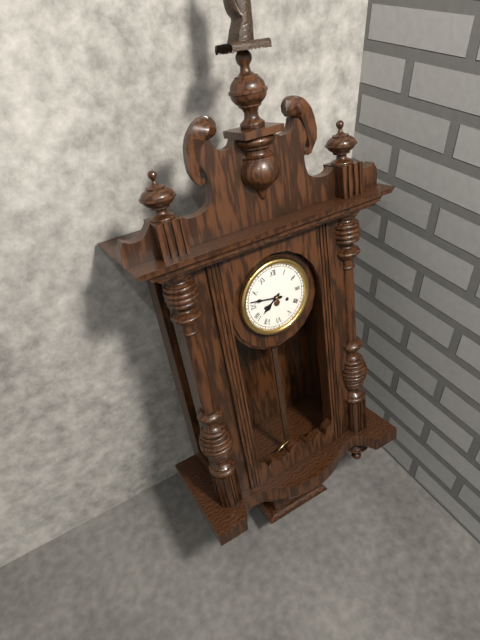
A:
7.47
